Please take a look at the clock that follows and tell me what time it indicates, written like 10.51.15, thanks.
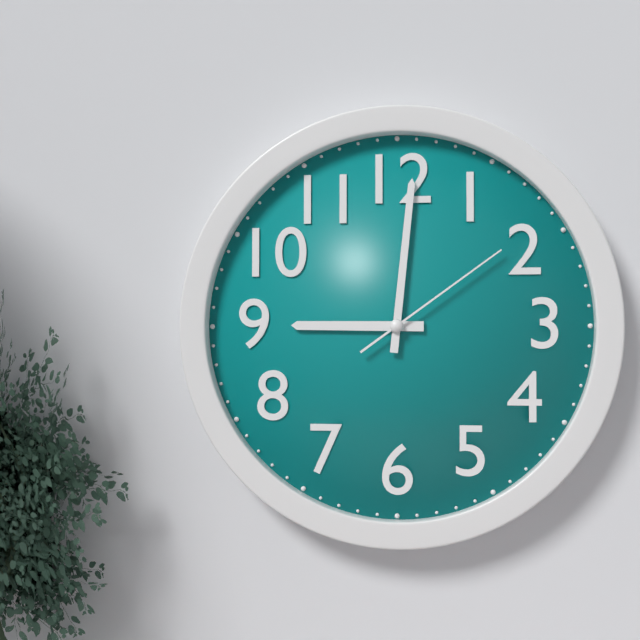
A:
9.01.09
